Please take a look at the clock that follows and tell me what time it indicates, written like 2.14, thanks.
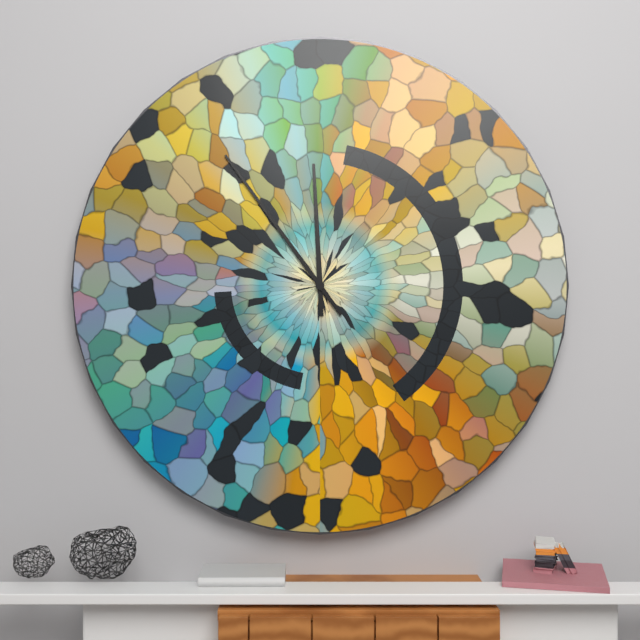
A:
11.54
